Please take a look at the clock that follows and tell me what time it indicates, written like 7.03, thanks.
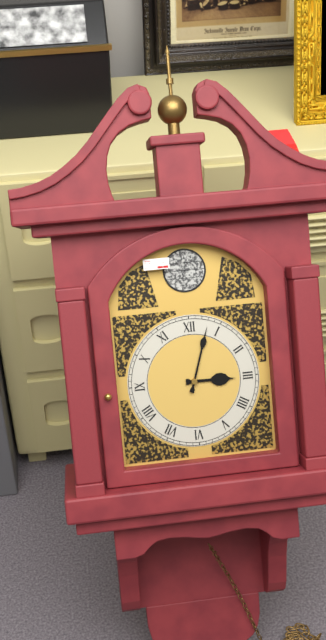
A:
3.03
